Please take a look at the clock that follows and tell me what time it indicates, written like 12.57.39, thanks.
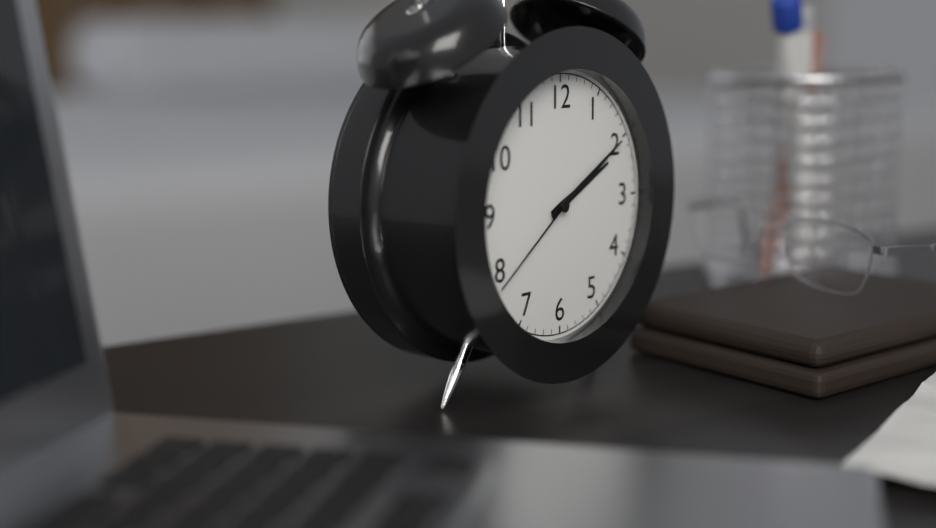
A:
2.10.39
